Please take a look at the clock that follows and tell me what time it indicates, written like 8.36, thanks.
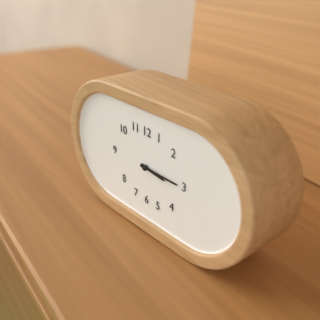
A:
3.15
